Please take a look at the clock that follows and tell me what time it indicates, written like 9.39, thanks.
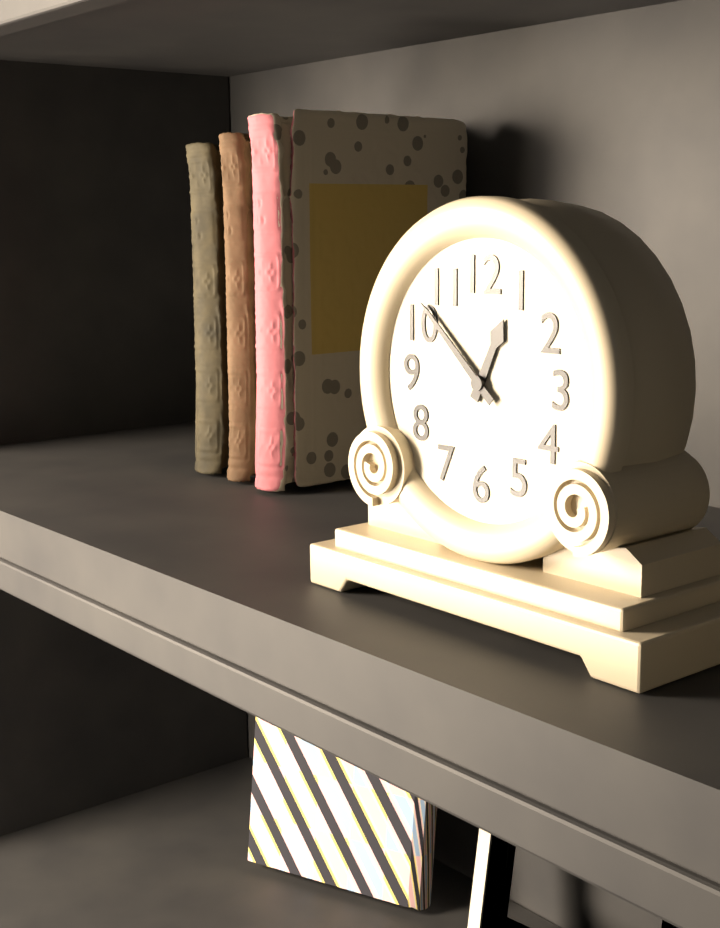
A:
12.52
